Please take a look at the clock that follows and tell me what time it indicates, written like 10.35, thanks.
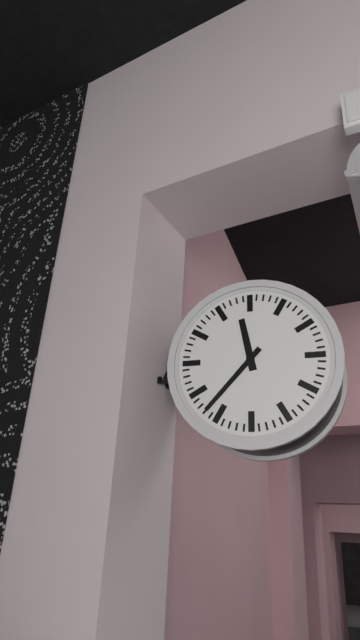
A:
11.37
